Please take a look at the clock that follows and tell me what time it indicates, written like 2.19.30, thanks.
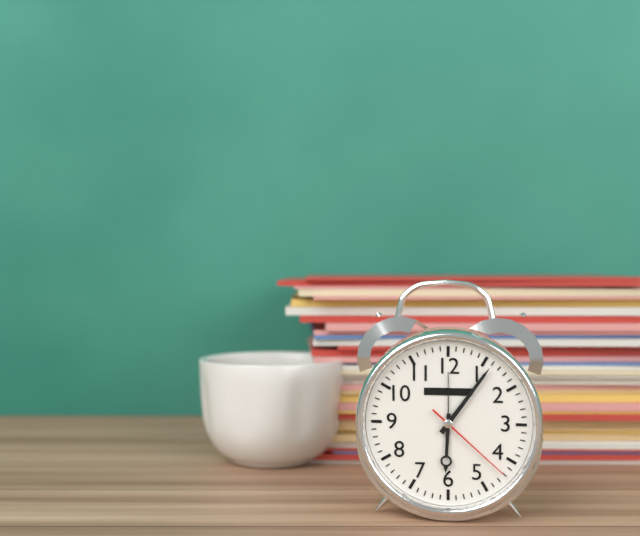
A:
6.06.22
